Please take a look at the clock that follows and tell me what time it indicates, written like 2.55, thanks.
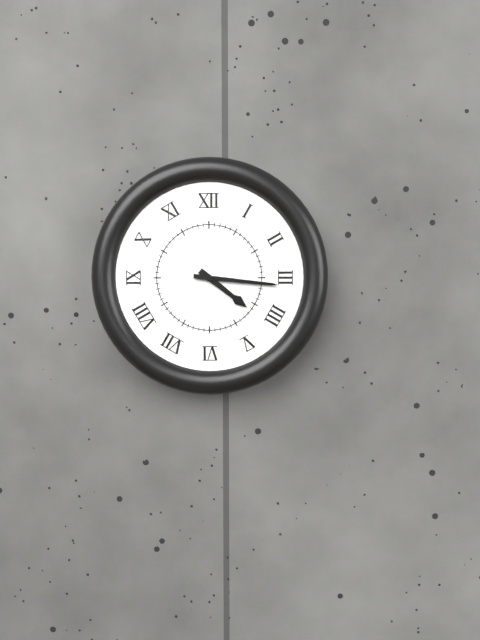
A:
4.16
